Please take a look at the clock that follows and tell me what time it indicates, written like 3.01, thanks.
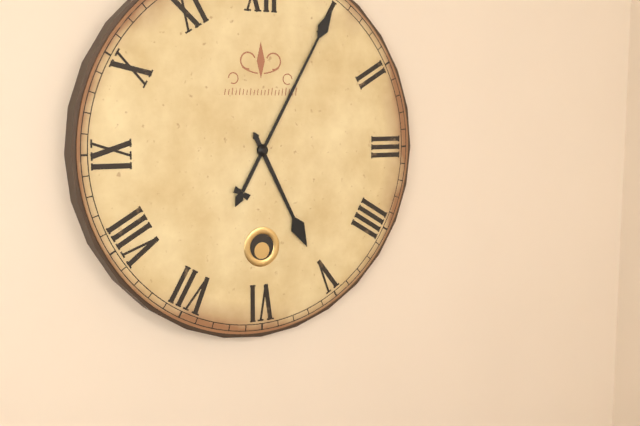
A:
5.05
